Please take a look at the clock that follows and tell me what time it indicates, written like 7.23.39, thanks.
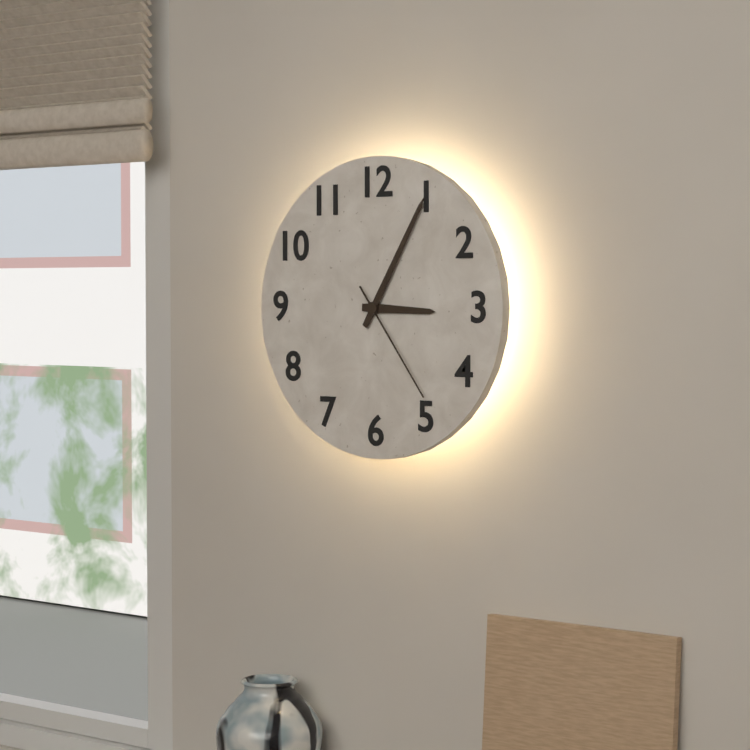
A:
3.05.24
